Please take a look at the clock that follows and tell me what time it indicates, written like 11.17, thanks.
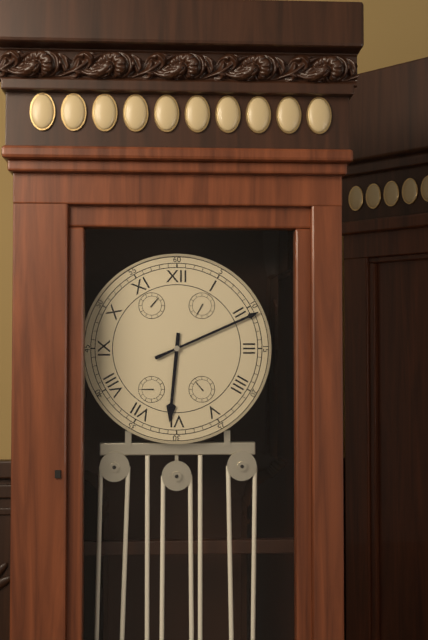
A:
6.11
